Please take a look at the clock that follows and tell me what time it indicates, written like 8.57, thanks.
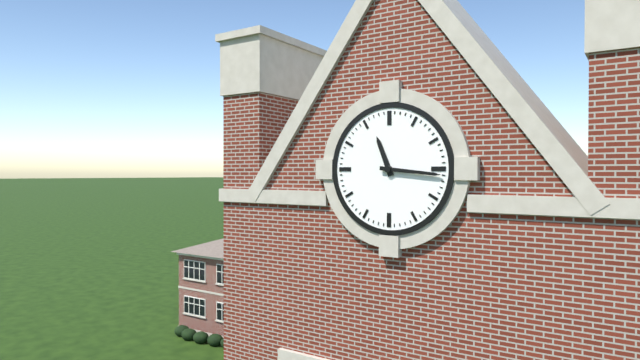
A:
11.16
